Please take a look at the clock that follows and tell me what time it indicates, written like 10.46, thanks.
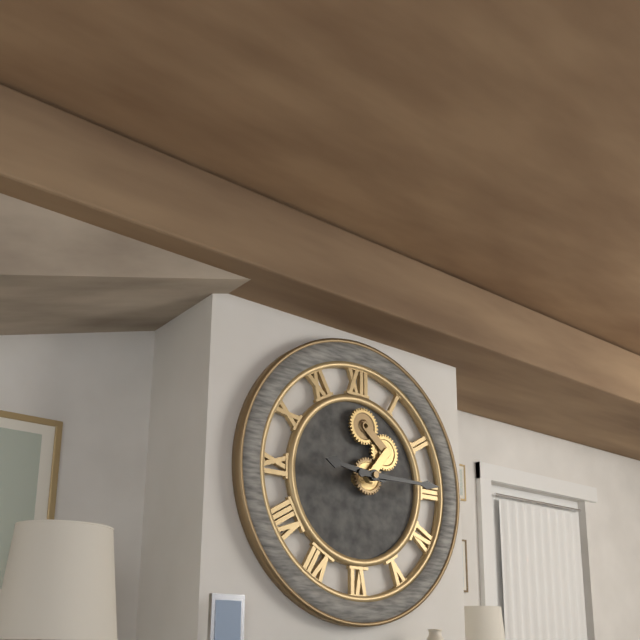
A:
9.15
